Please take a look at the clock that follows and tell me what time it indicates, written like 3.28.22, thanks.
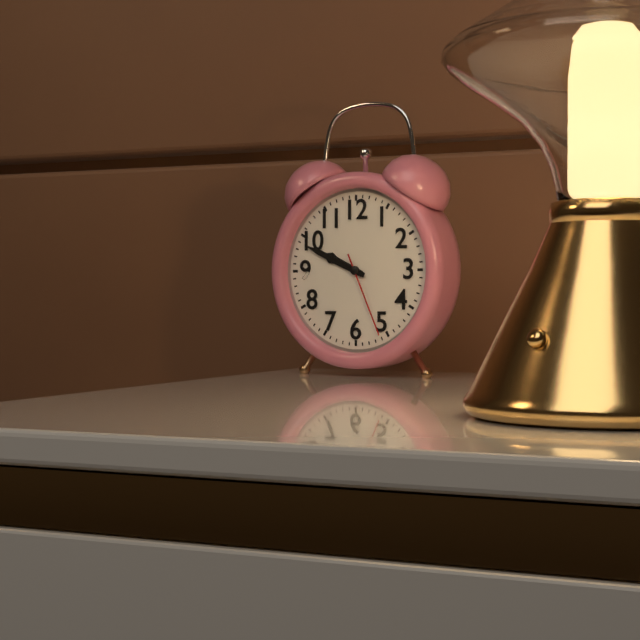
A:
9.49.26
